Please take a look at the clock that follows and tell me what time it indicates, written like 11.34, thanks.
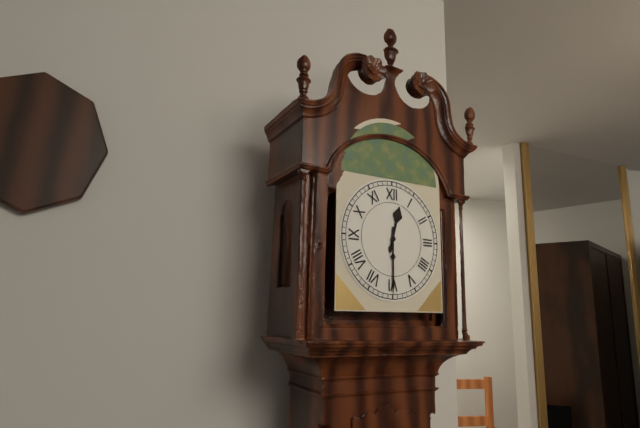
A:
12.30
